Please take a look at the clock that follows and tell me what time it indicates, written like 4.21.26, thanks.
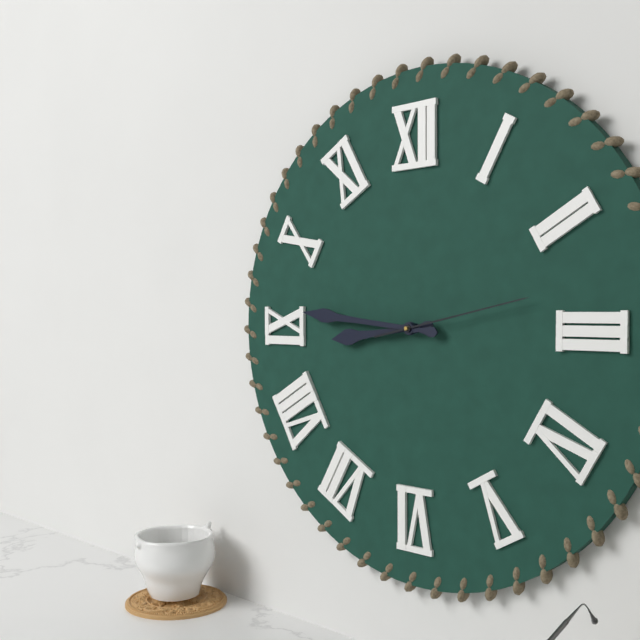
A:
8.46.13
